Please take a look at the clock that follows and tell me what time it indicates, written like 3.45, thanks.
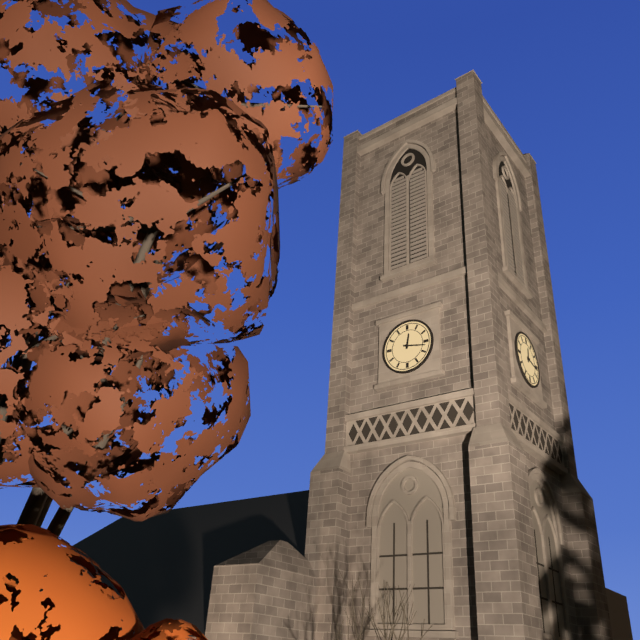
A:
12.17
